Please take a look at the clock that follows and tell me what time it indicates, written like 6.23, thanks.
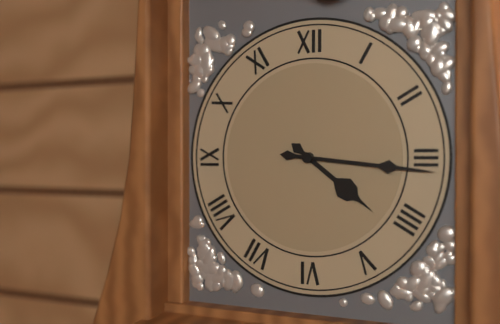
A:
4.16
